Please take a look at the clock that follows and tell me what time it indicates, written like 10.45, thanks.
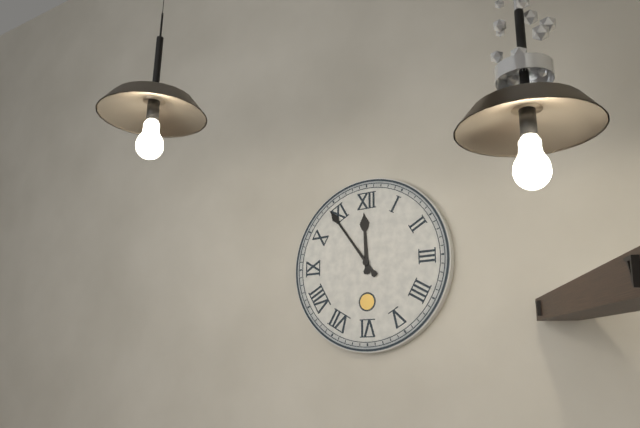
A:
11.54
